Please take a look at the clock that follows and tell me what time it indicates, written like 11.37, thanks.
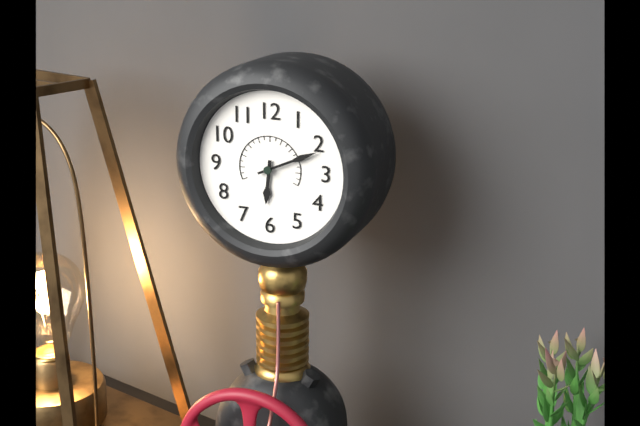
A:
6.11
